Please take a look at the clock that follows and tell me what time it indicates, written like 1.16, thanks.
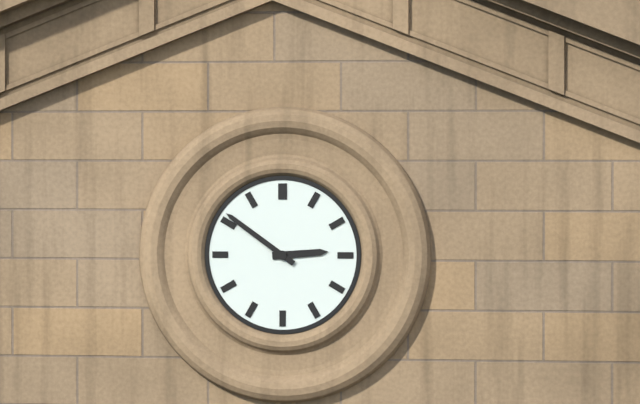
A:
2.51
